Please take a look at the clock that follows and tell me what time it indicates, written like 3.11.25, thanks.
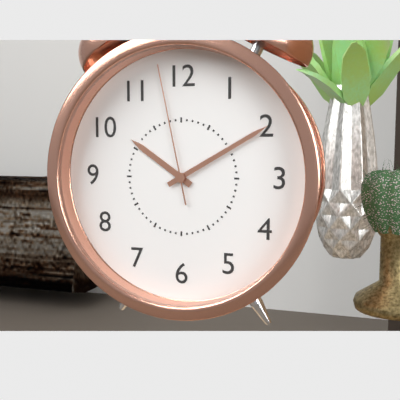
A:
10.10.58
